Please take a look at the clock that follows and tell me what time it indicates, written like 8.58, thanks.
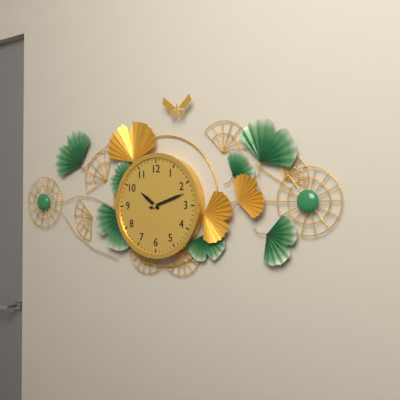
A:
10.12
